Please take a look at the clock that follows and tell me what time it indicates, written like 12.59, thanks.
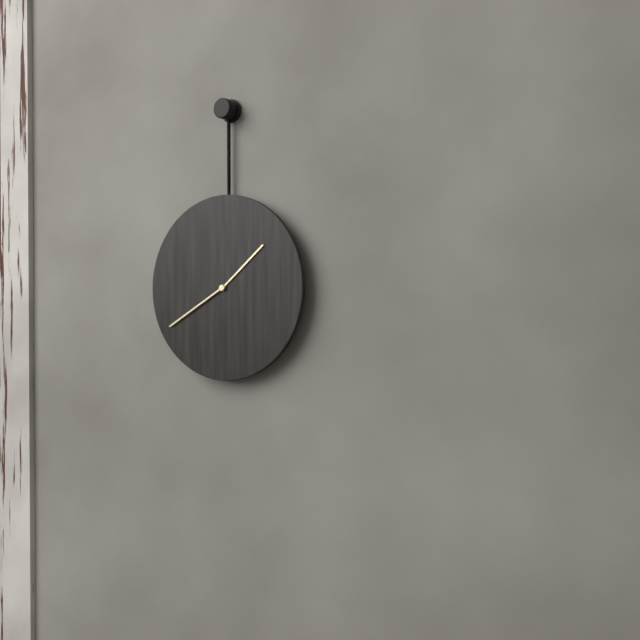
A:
1.40
